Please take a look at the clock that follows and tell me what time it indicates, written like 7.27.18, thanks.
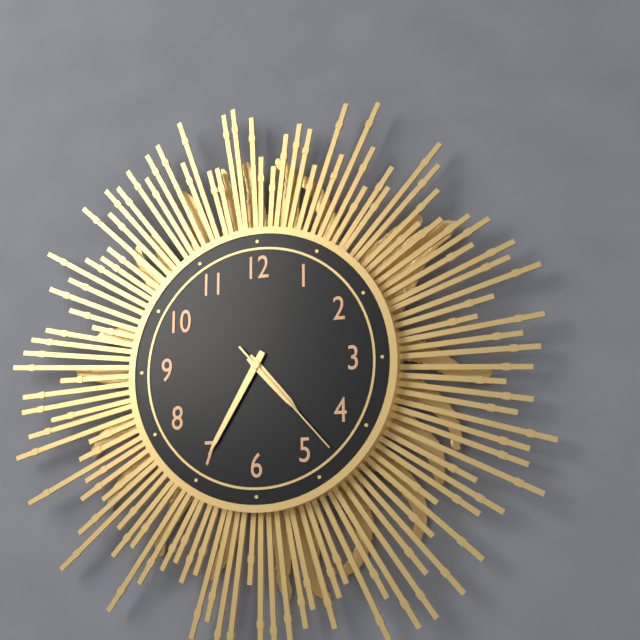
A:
4.35.23
